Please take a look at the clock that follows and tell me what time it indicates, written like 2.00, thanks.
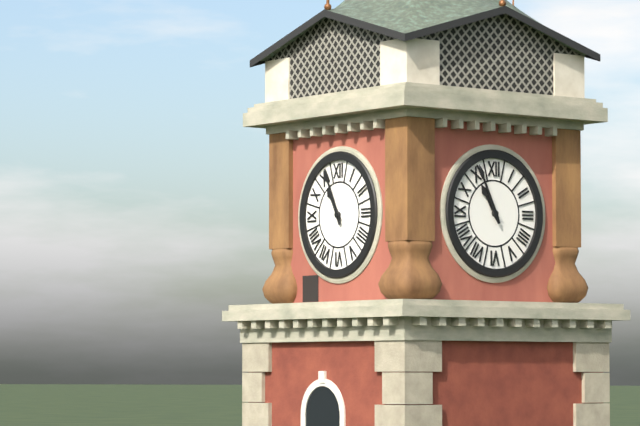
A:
10.56
